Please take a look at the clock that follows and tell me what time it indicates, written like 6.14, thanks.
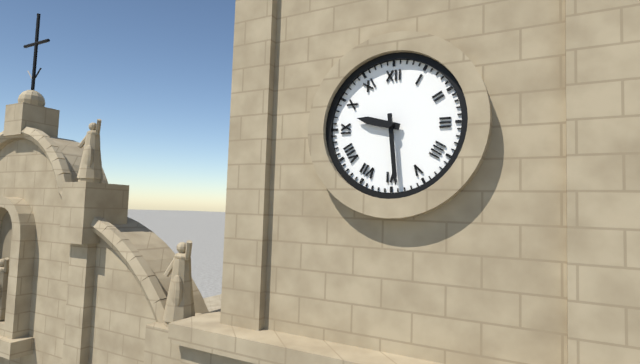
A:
9.29
